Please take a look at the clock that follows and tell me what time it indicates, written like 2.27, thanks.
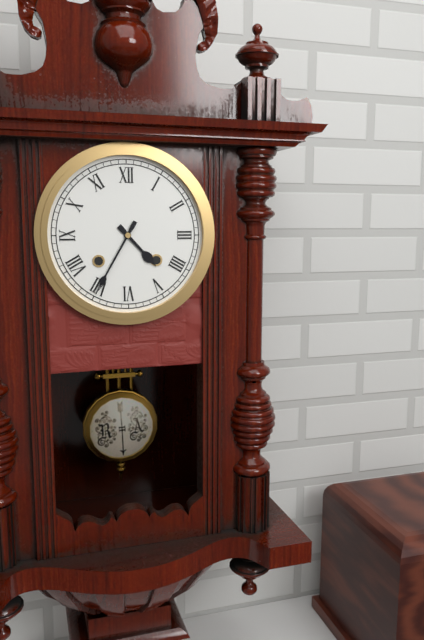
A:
4.35
